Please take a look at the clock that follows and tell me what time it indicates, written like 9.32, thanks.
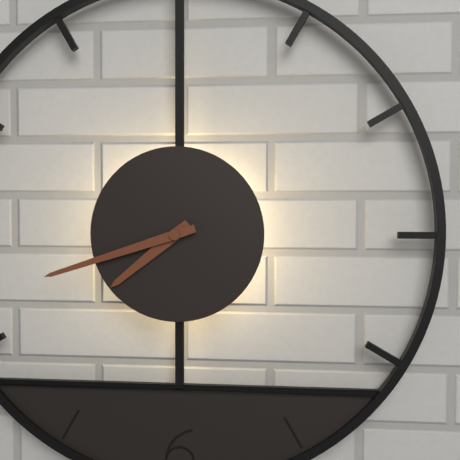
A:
7.42
